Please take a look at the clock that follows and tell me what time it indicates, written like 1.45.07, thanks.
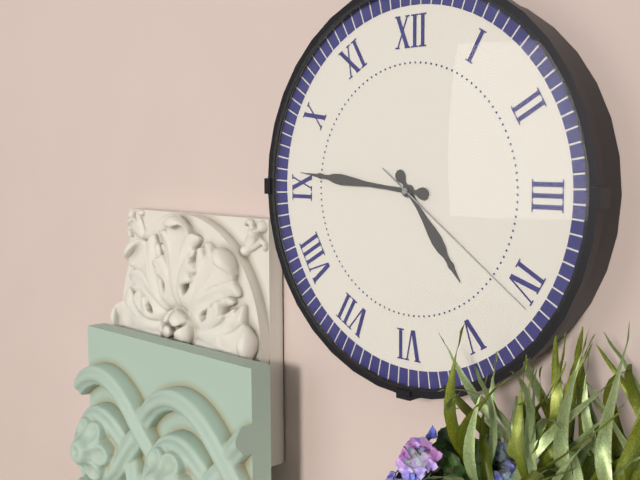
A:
4.46.21
